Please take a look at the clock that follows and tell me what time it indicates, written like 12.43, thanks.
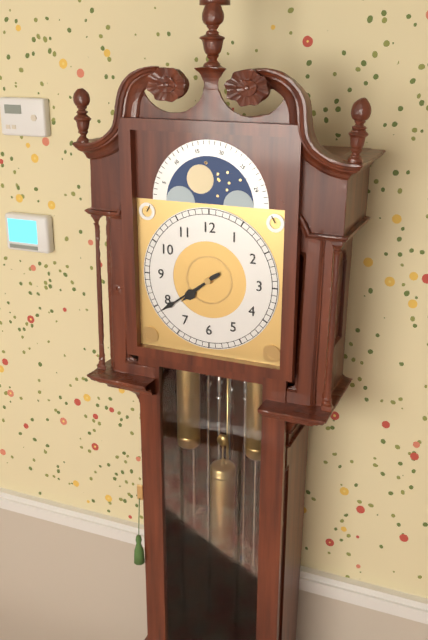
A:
7.39
